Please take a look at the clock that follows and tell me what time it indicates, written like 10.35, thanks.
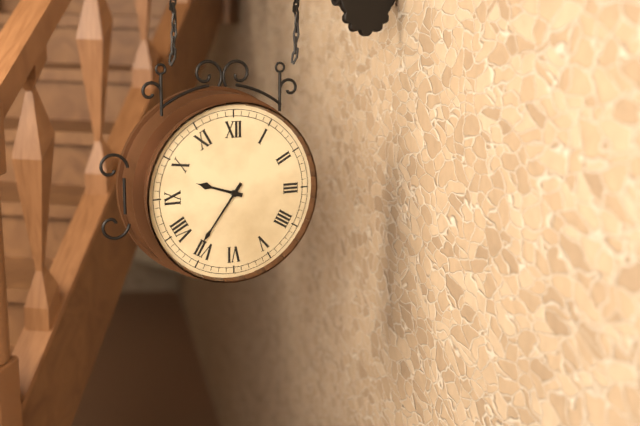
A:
9.36
